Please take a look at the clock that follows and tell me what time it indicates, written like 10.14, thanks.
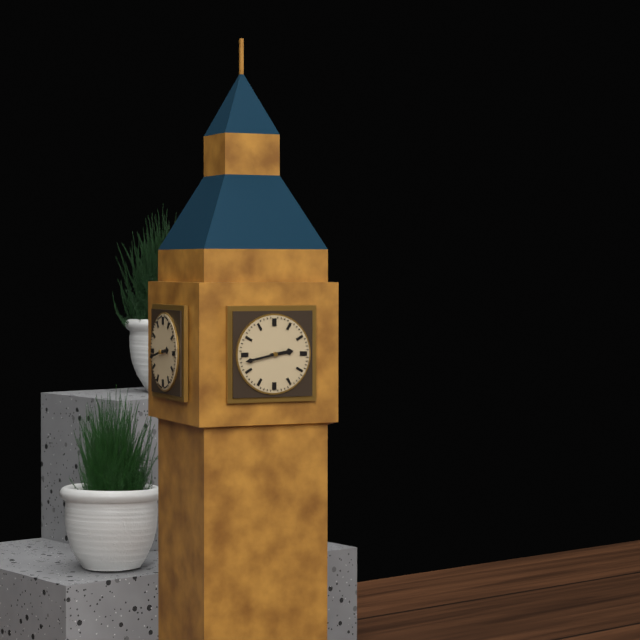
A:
2.43
